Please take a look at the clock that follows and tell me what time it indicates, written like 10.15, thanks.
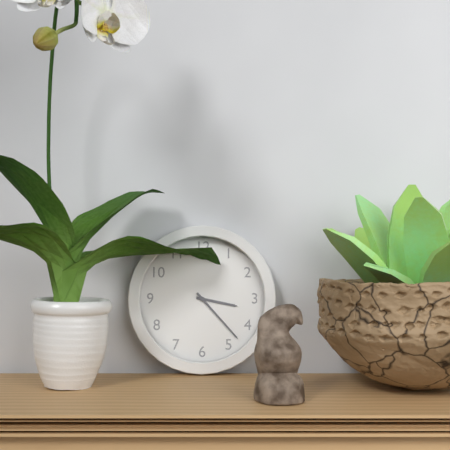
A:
3.23
